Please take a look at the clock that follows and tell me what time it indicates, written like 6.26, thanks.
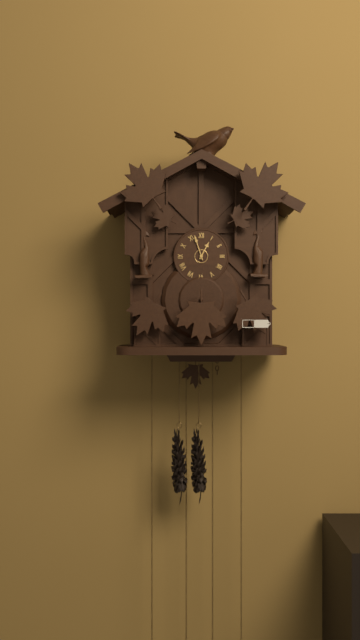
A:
12.57
